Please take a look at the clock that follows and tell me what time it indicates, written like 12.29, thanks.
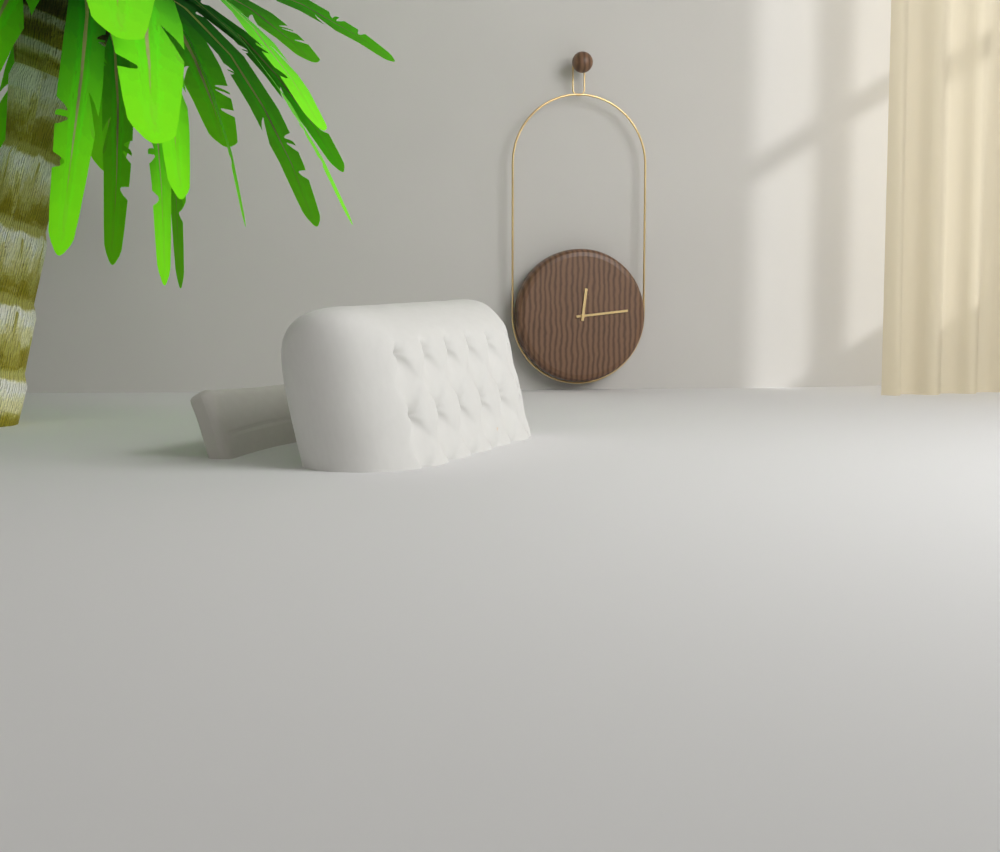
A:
12.14
